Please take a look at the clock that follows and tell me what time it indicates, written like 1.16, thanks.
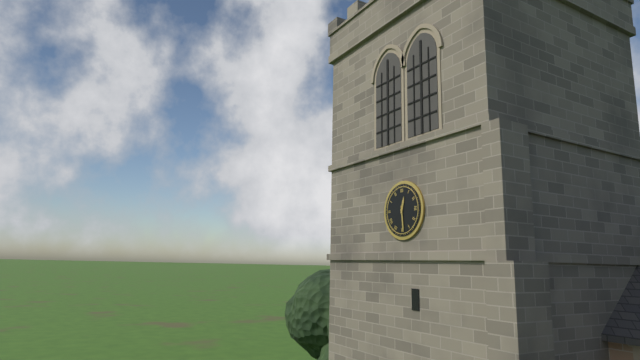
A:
12.29
